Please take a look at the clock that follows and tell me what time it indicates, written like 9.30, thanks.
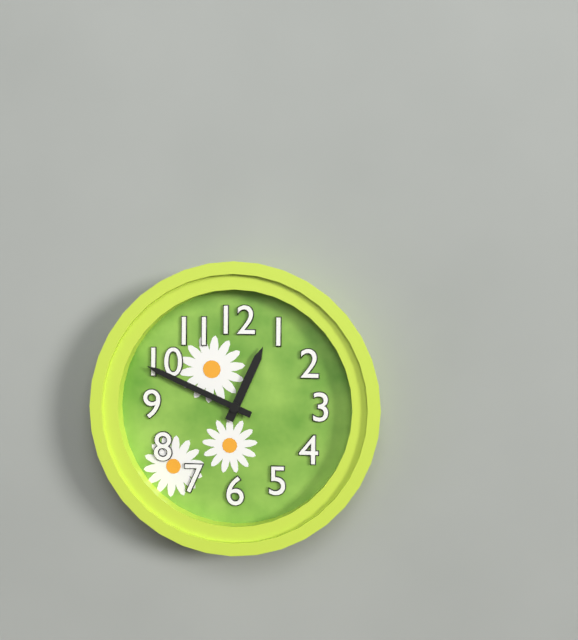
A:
12.49
